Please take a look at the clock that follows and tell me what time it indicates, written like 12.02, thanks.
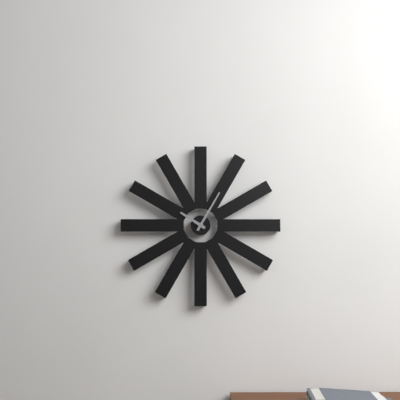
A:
10.05
